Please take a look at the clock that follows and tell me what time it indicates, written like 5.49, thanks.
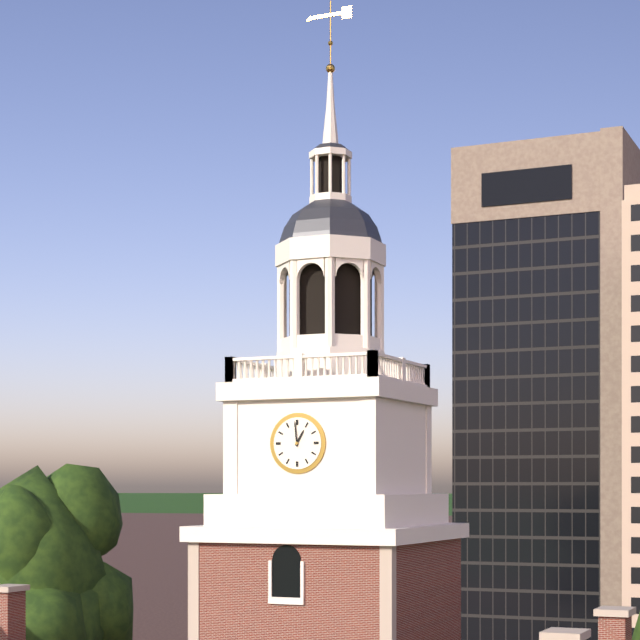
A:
12.59
